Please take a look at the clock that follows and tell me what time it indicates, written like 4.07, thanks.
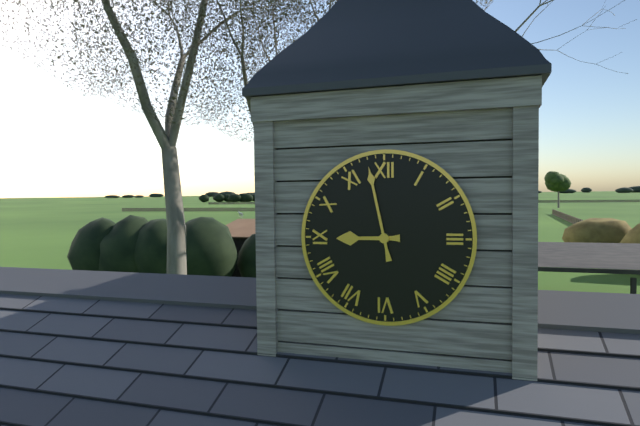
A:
8.58
